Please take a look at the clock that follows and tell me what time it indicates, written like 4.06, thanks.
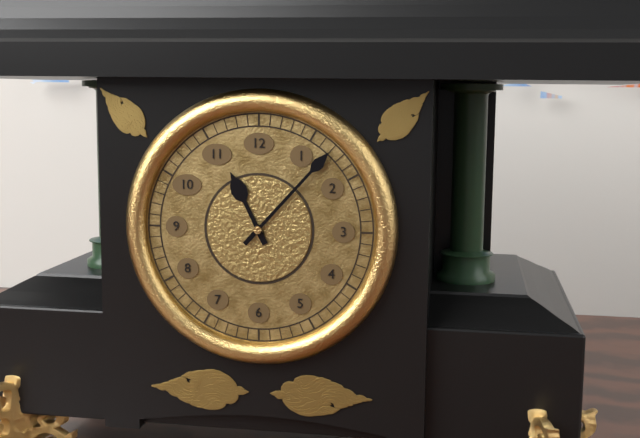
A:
11.07
